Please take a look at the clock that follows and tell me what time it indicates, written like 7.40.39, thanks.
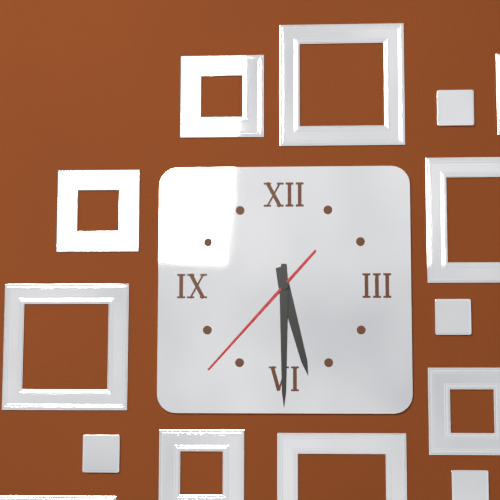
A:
5.30.37
